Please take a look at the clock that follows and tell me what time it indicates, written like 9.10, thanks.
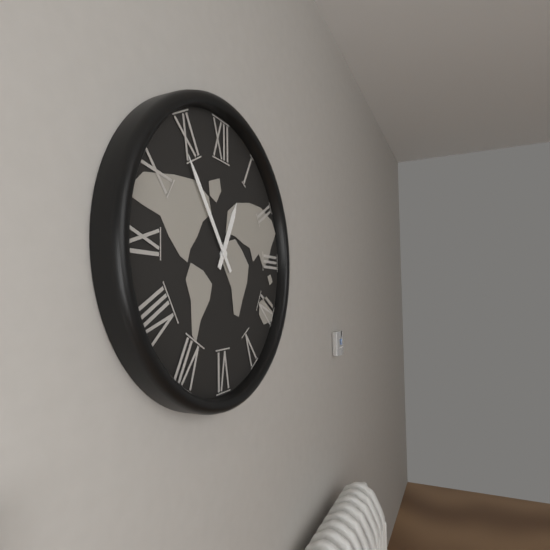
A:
12.54
